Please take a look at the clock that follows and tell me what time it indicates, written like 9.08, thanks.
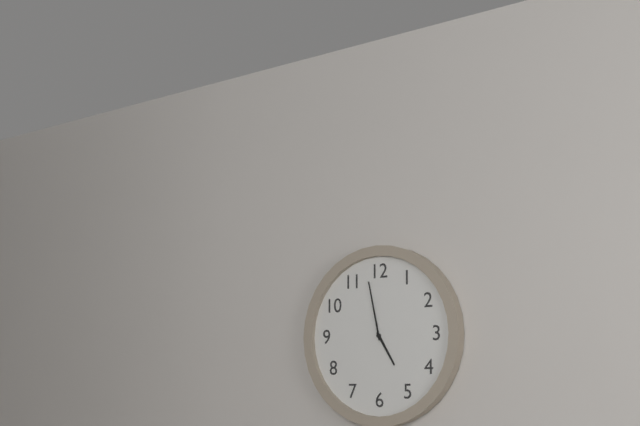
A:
4.58
